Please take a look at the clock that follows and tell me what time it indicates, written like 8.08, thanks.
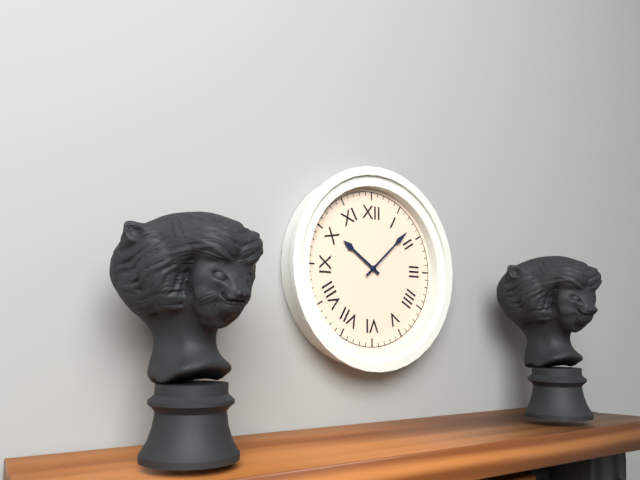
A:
10.08
